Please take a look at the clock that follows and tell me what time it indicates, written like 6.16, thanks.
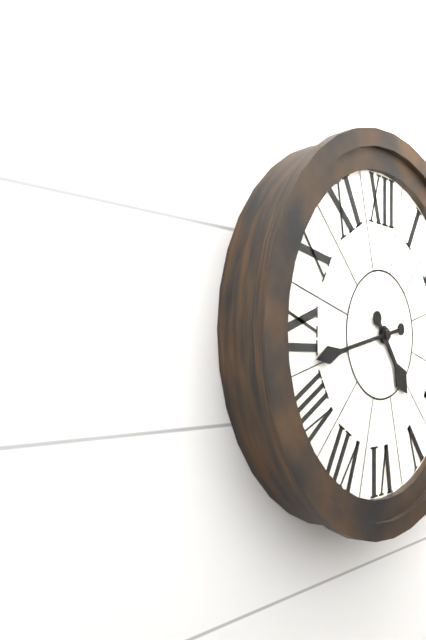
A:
4.43
